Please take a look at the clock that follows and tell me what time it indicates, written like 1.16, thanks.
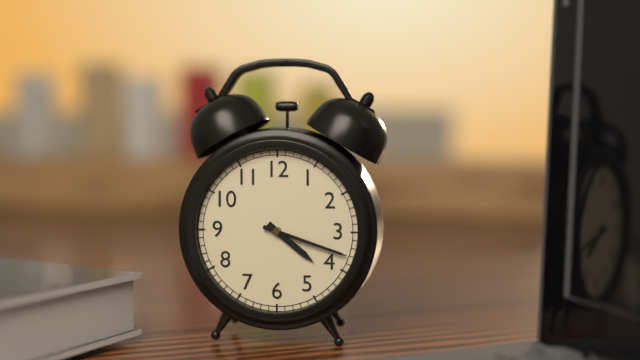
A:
4.18
